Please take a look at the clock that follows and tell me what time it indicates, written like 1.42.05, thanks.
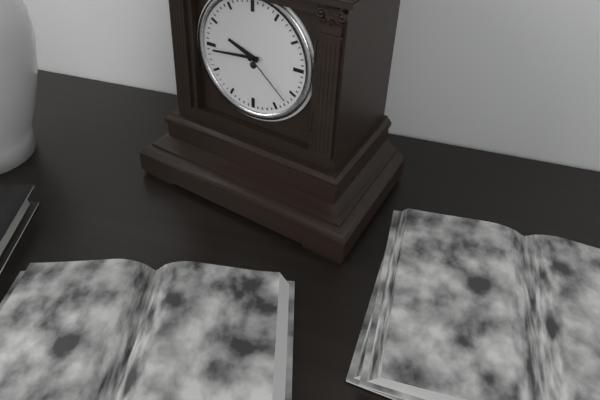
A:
9.44.22
